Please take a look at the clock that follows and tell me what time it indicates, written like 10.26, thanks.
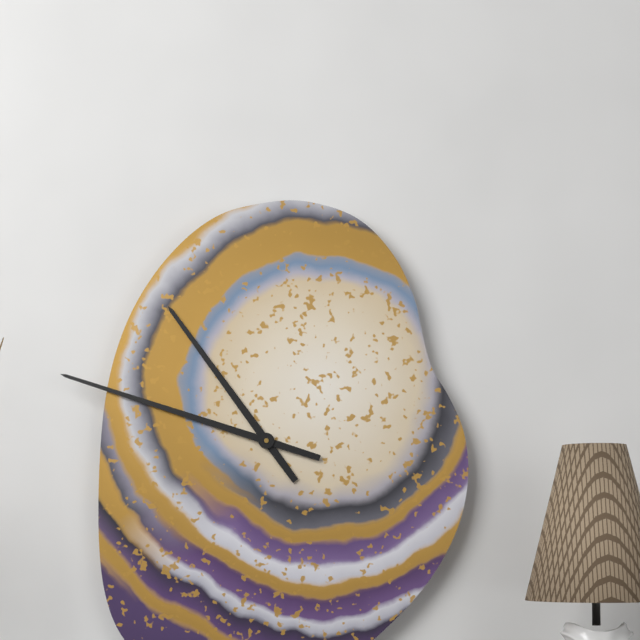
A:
10.48
